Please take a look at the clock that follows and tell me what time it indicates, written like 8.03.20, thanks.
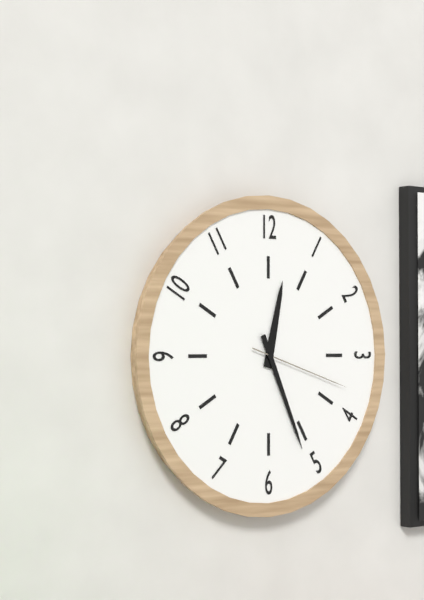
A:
12.26.18
